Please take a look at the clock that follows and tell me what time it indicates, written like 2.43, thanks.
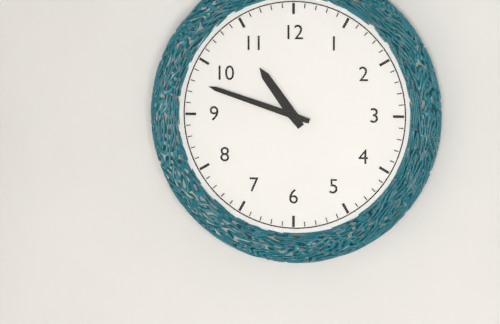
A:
10.48
